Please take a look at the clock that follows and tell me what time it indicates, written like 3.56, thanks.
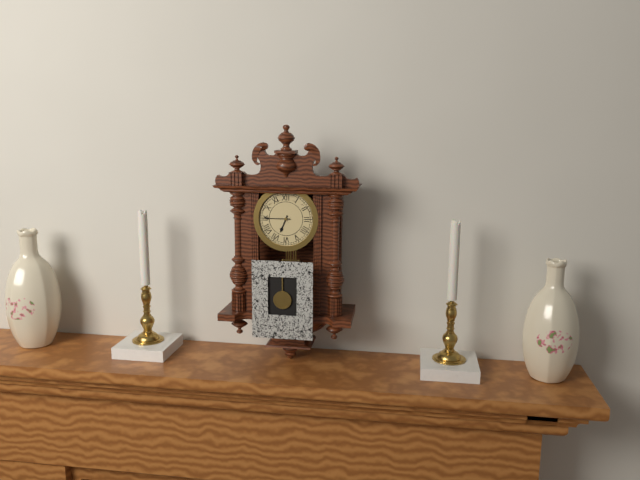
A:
6.45
